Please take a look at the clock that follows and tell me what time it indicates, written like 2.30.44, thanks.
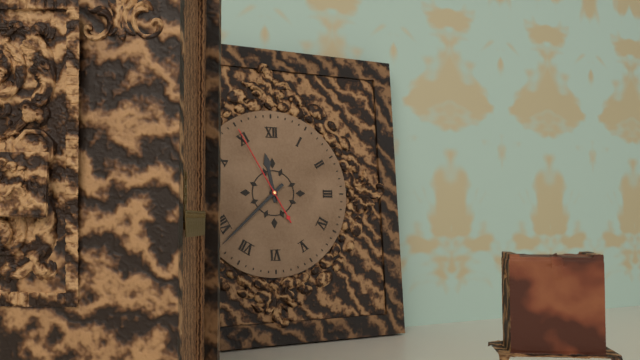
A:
11.38.55
